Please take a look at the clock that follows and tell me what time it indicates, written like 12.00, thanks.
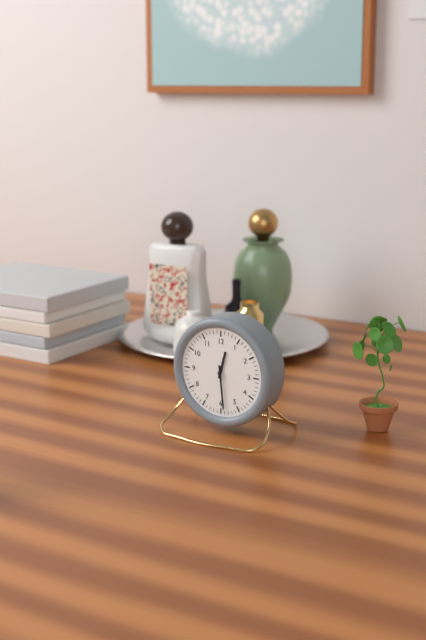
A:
12.29
